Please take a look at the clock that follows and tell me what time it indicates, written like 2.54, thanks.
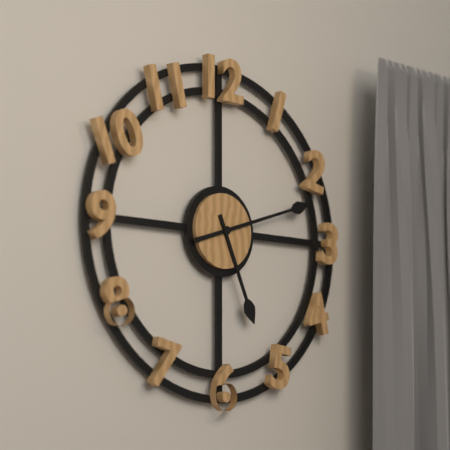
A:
5.12
